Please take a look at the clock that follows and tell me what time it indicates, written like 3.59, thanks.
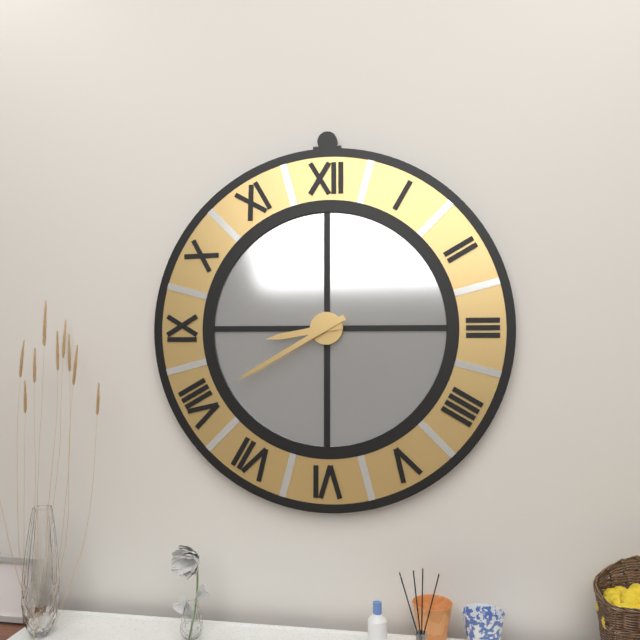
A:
8.40
